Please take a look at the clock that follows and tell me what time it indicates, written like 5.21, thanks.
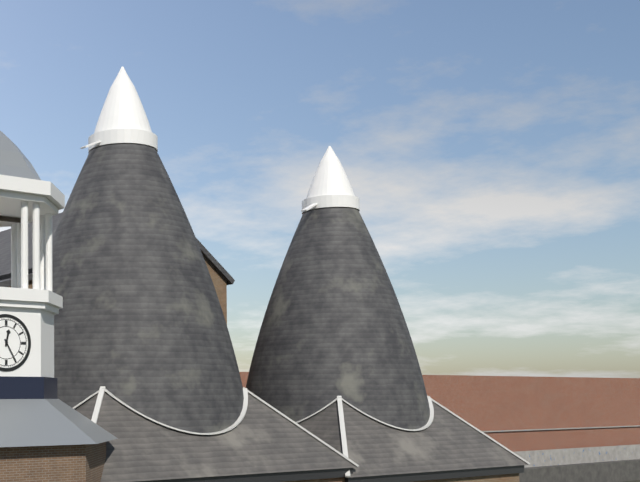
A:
12.25
